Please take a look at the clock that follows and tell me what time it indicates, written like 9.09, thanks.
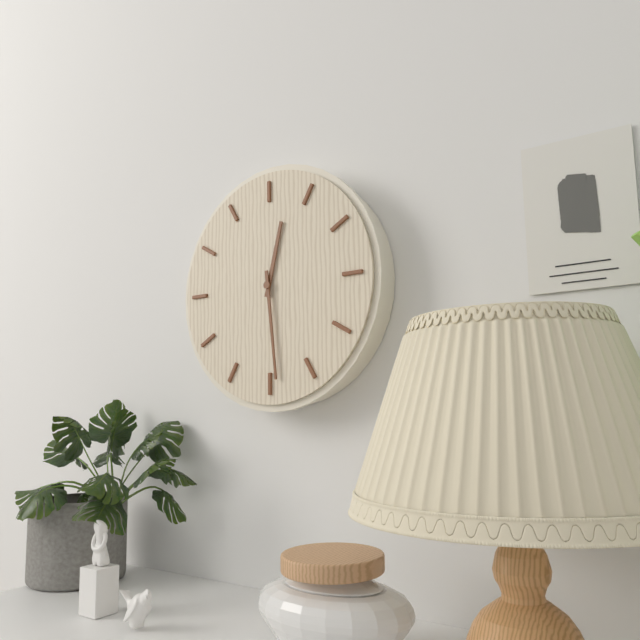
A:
12.29
